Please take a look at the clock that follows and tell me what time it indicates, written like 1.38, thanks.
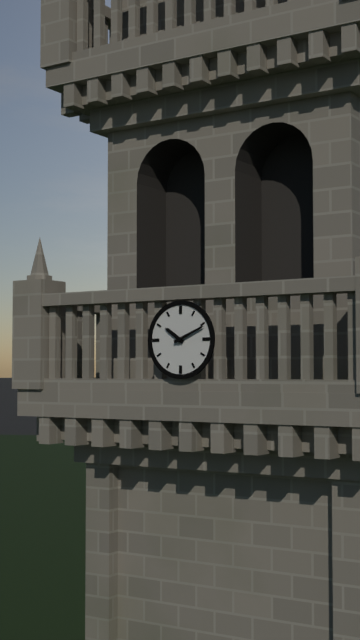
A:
10.11
